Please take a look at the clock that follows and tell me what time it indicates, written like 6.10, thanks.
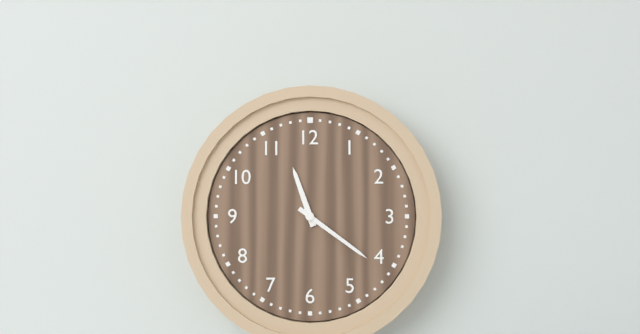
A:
11.21
